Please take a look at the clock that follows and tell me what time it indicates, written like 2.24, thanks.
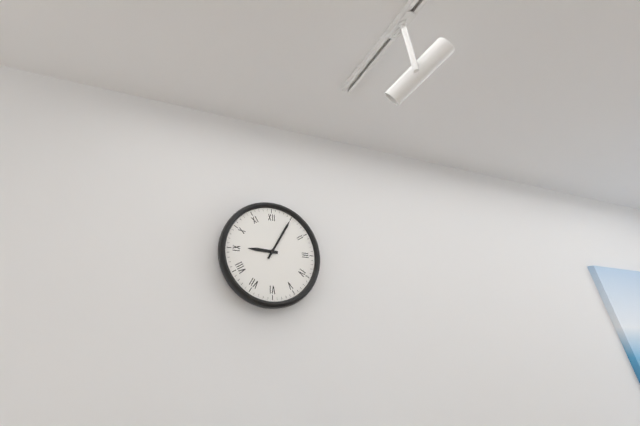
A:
9.05
